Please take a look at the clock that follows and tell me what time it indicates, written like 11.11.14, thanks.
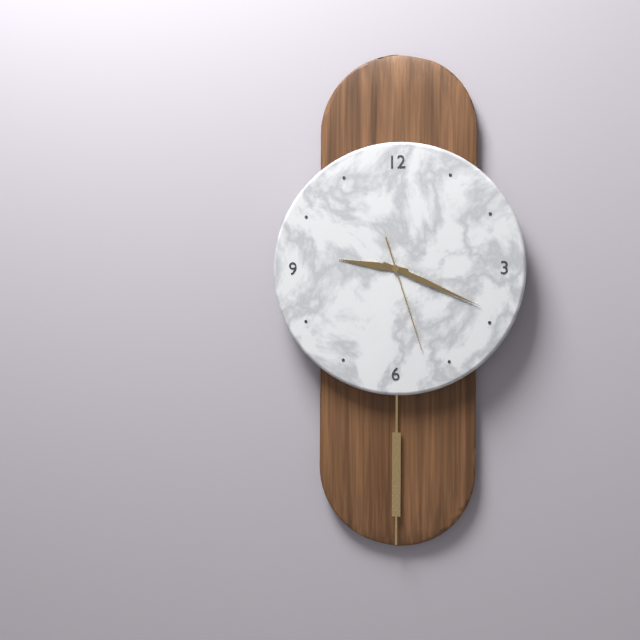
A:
9.19.27
